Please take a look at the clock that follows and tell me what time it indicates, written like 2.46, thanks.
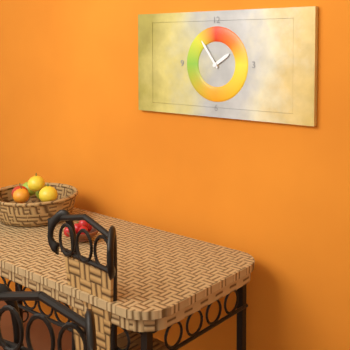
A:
1.54
